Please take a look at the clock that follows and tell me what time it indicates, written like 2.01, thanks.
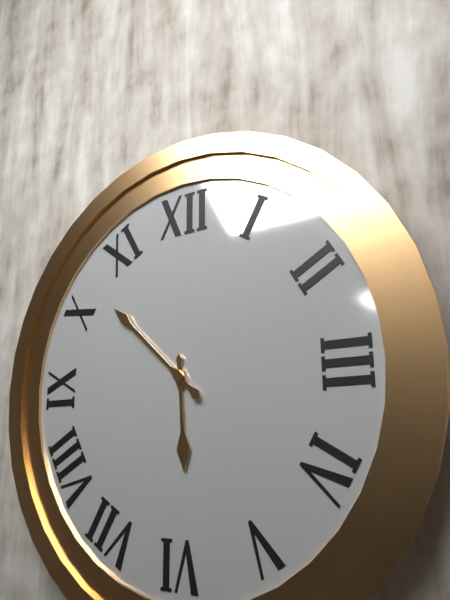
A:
5.52
